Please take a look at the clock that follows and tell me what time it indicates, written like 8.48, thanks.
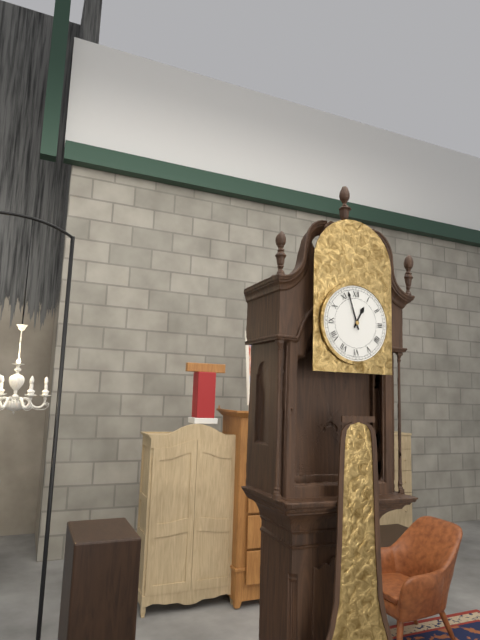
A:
12.57
